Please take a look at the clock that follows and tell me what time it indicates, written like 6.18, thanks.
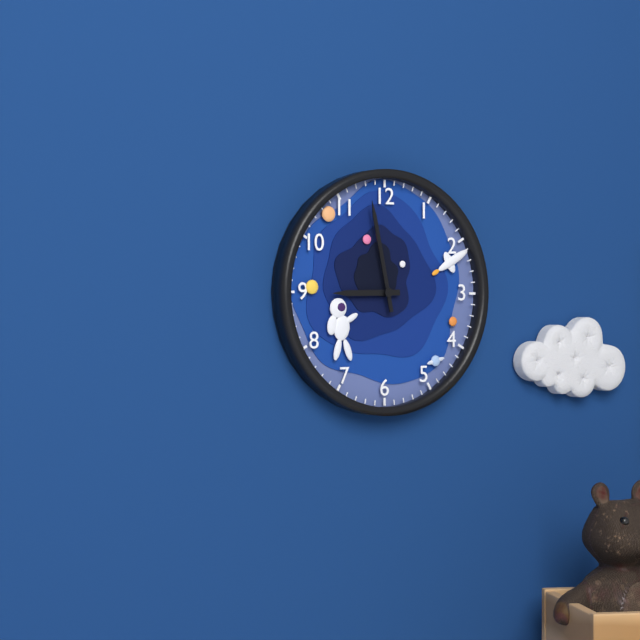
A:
8.58
